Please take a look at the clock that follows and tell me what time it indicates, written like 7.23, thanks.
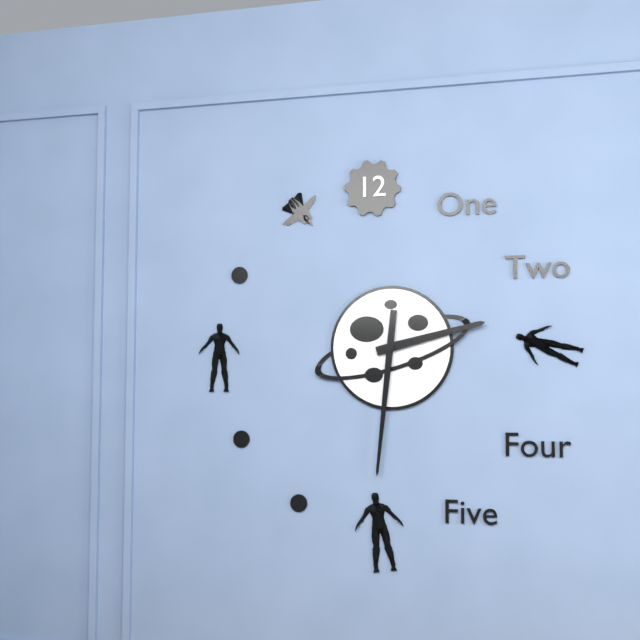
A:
2.31
